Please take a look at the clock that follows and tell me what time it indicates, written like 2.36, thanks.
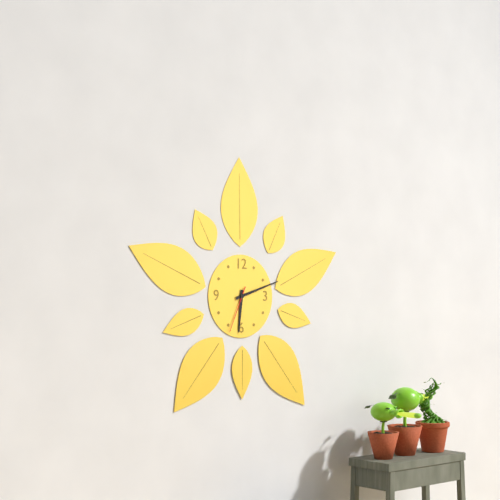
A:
6.12
